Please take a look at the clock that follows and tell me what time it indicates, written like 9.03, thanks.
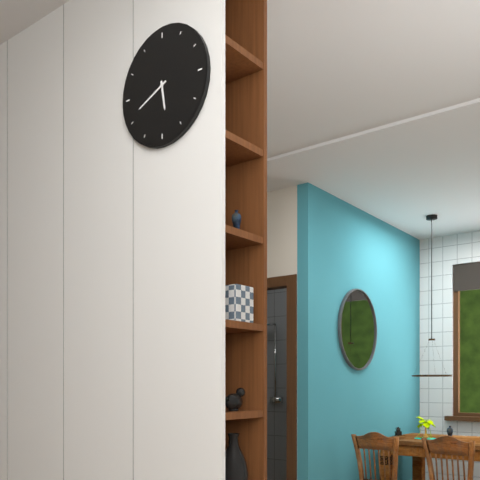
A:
5.41
